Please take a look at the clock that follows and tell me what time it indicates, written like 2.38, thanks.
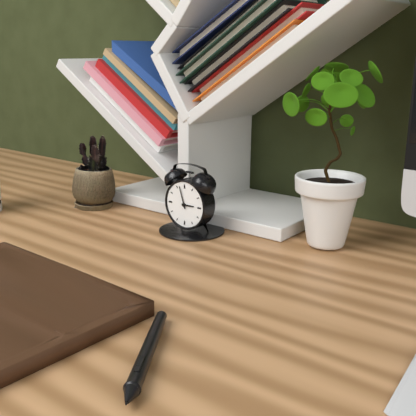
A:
2.57
